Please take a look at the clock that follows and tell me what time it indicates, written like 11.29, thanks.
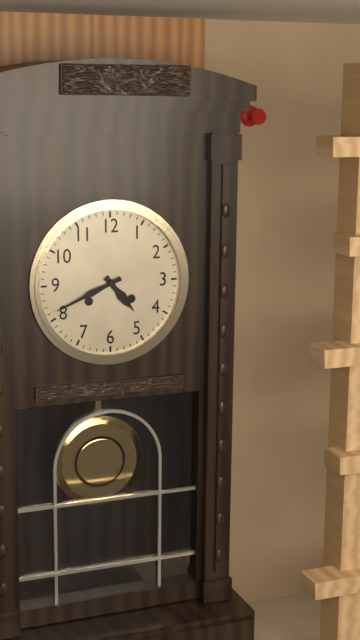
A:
4.41
